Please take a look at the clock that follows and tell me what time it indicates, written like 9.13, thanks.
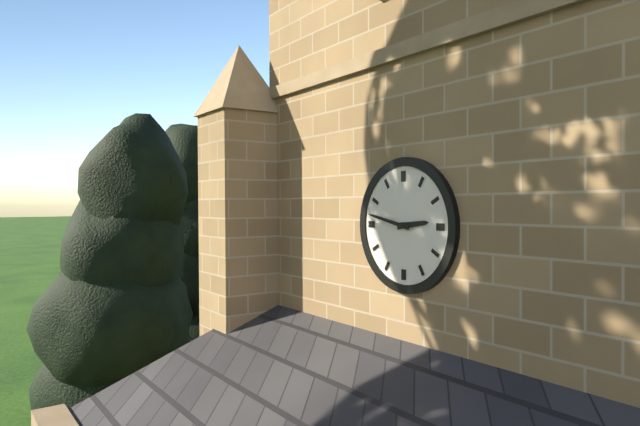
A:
2.47
